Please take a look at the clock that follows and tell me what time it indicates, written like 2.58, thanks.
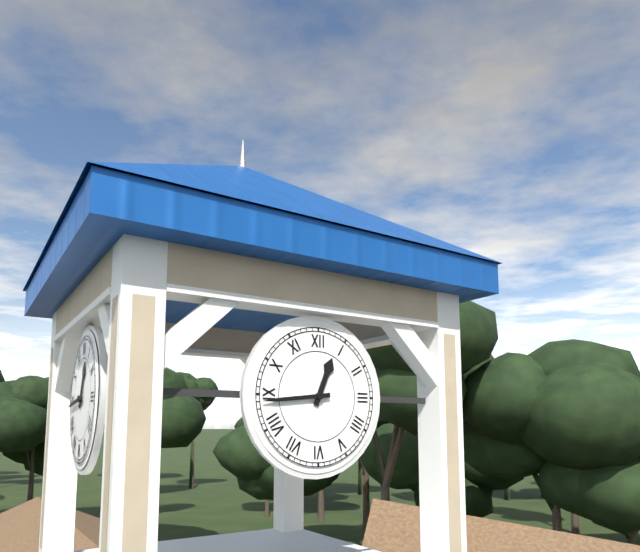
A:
12.44
